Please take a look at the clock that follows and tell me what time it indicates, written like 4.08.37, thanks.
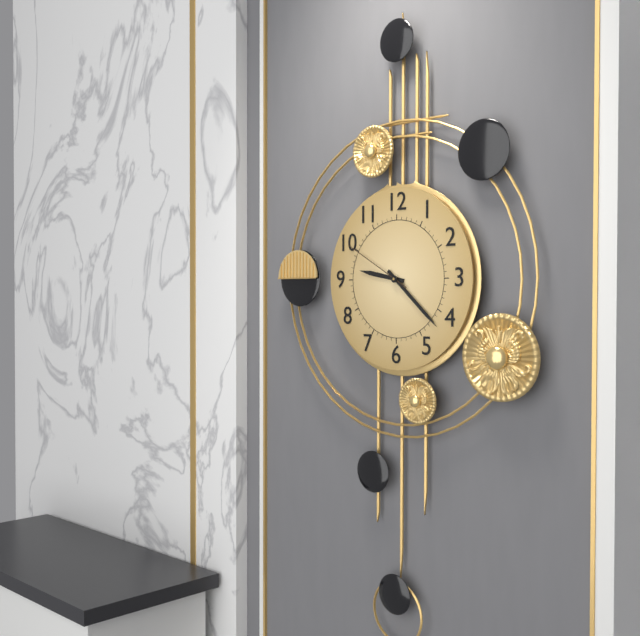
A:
9.22.50
